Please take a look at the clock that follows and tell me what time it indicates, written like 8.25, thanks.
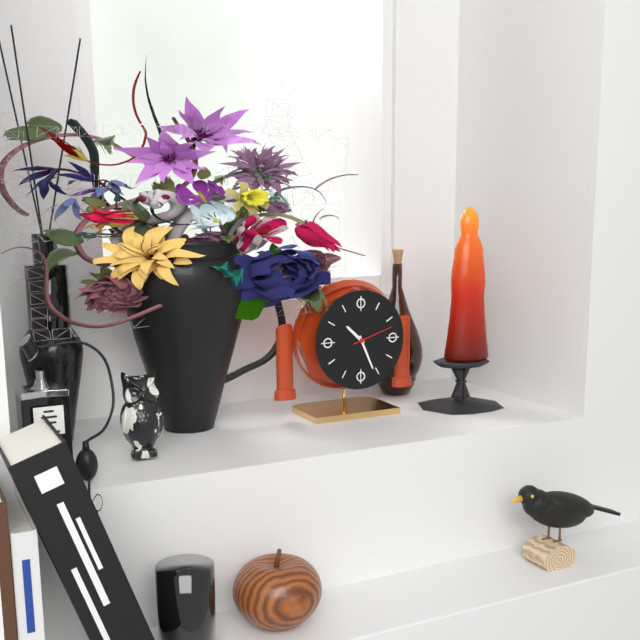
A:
10.26
